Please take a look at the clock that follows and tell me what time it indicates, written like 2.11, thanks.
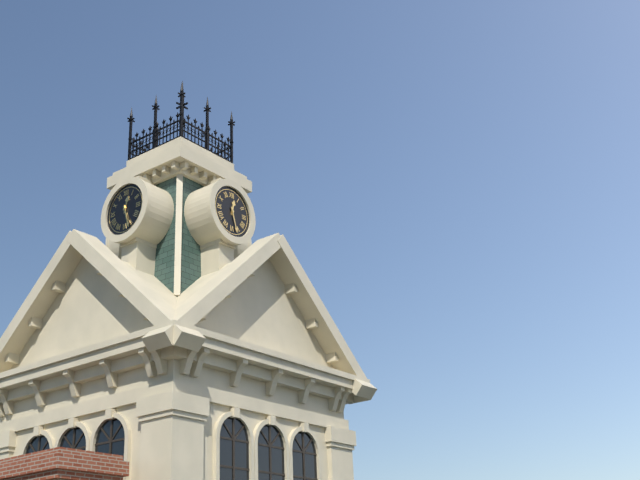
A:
12.27
